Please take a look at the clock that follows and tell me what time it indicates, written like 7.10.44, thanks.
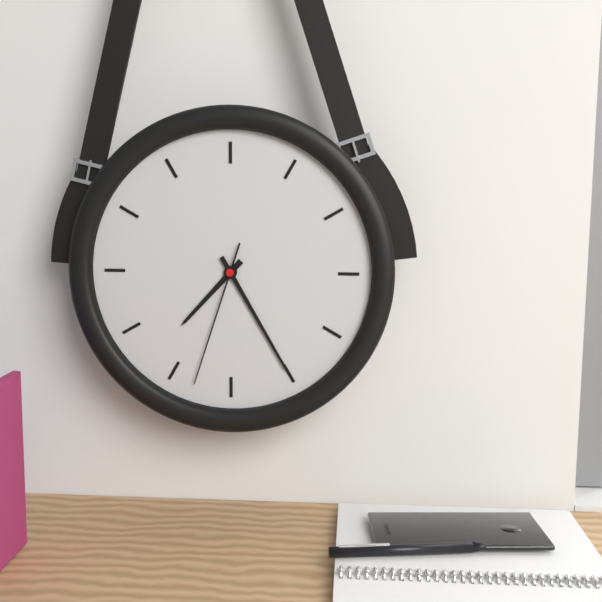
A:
7.25.33
